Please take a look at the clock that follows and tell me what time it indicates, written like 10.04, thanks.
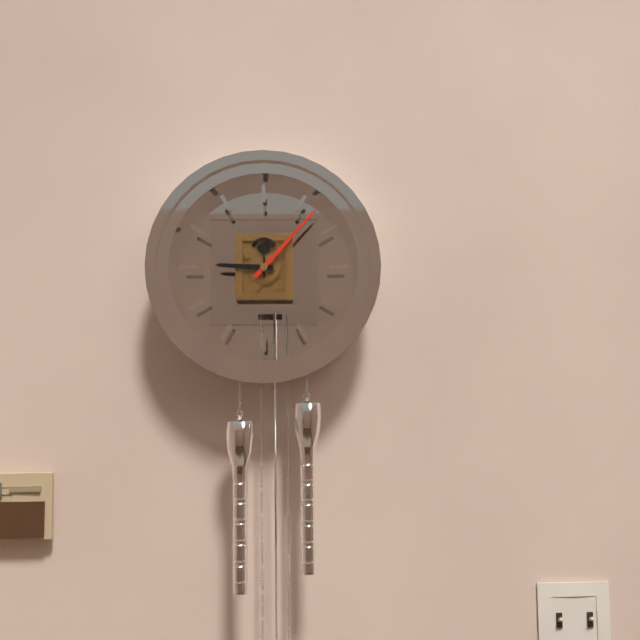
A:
9.07
